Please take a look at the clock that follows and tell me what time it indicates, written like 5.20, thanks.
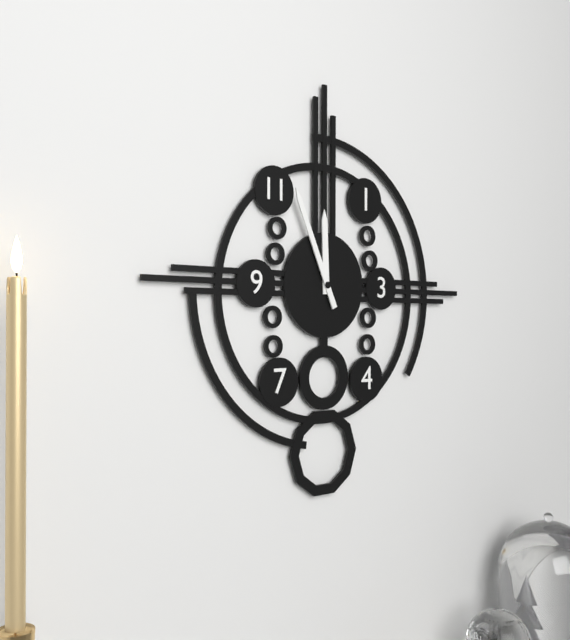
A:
11.56
